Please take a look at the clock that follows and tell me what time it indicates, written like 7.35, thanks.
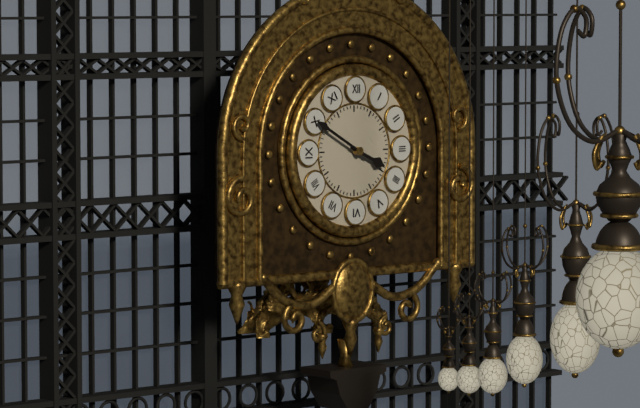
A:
3.50
